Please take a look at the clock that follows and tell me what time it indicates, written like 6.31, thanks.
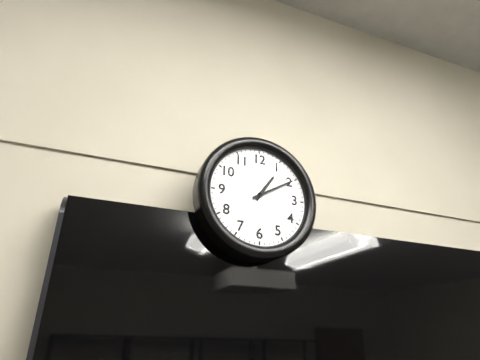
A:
1.10
